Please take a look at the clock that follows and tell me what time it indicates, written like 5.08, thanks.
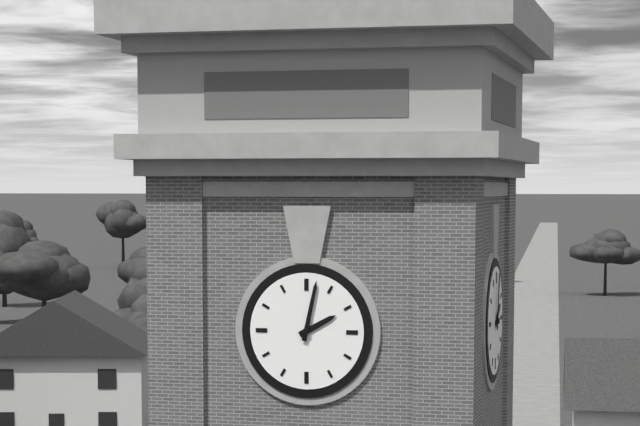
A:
2.02
